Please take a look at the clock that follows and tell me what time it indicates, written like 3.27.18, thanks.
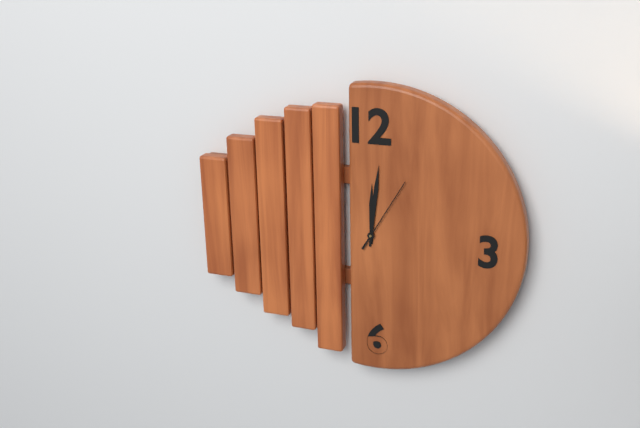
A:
12.01.05
